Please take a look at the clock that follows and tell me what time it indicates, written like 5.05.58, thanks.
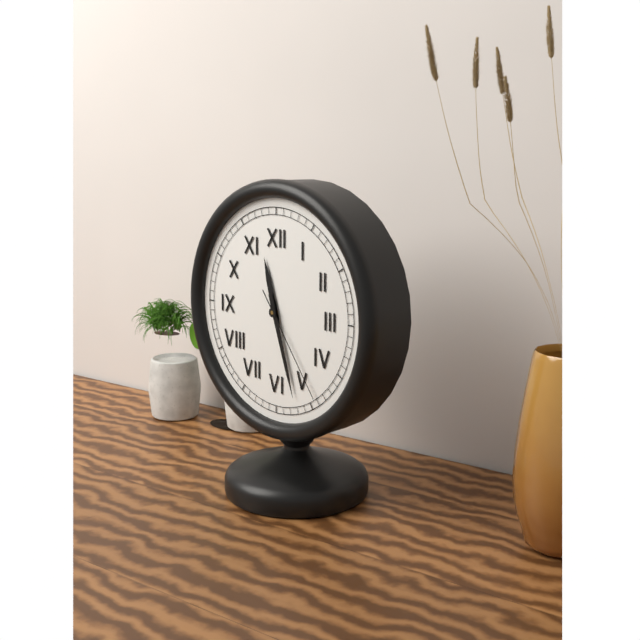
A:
11.27.24
